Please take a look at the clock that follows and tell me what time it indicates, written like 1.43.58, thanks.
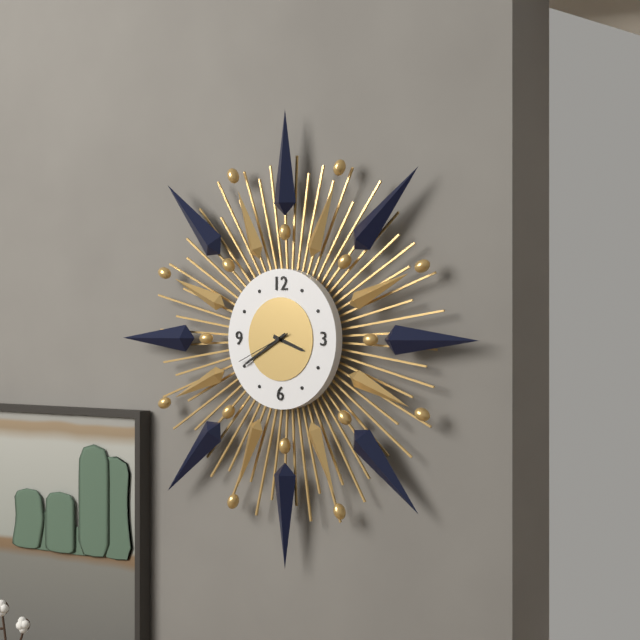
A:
3.40.41
